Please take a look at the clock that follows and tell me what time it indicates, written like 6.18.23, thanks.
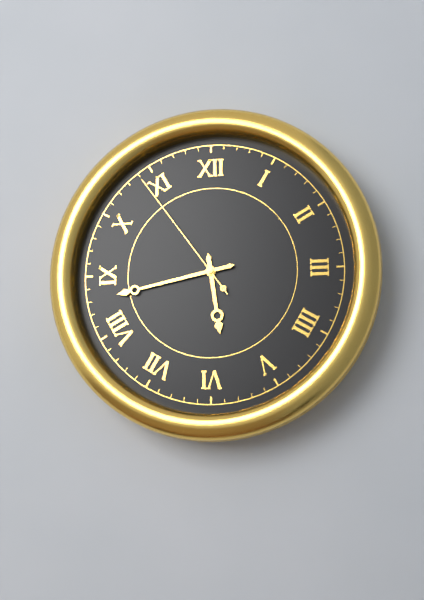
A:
5.43.54
